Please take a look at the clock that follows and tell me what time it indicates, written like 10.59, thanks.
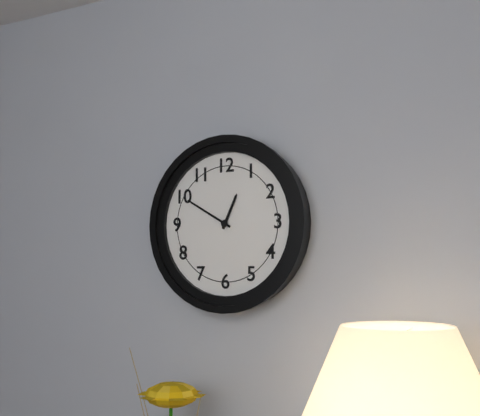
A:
12.50
